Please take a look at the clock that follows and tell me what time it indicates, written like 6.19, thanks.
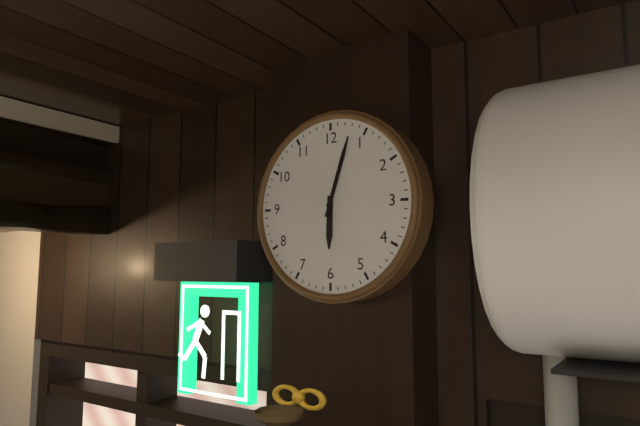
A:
6.03
